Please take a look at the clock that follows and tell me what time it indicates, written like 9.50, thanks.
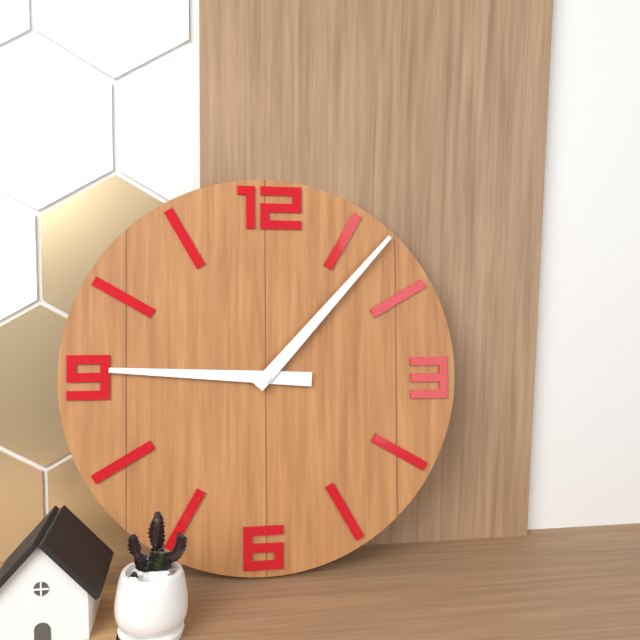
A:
9.07
